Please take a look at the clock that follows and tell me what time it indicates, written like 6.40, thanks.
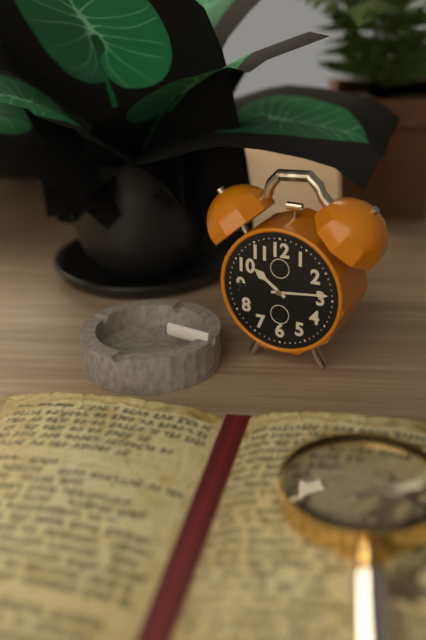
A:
10.14
